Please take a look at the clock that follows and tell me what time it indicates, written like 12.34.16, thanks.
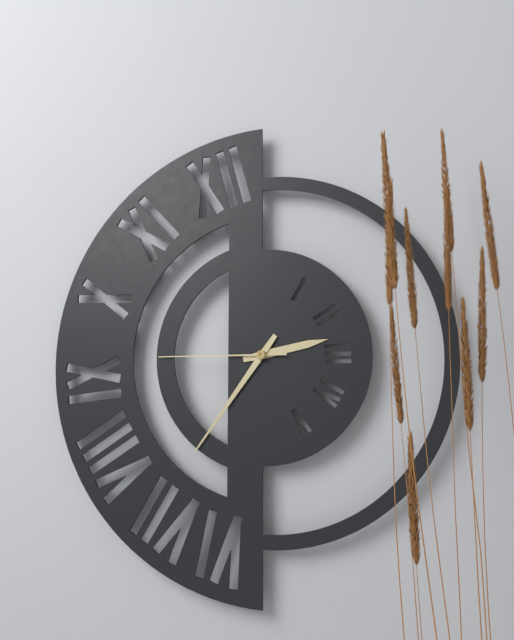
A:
2.36.45
